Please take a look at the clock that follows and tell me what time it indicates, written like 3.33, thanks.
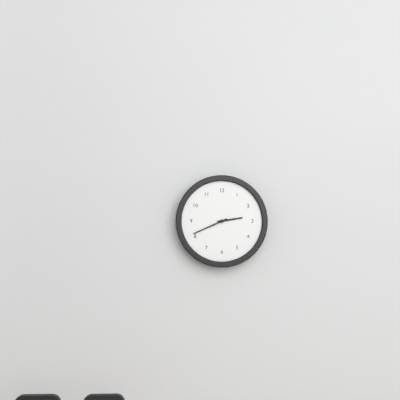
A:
2.41
